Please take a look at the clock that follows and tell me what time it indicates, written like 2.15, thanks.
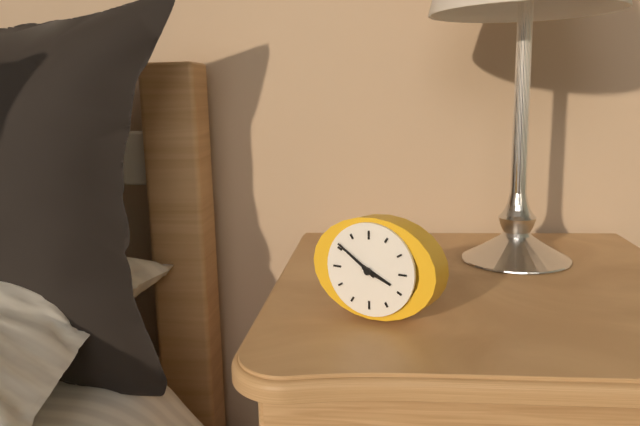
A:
3.51
